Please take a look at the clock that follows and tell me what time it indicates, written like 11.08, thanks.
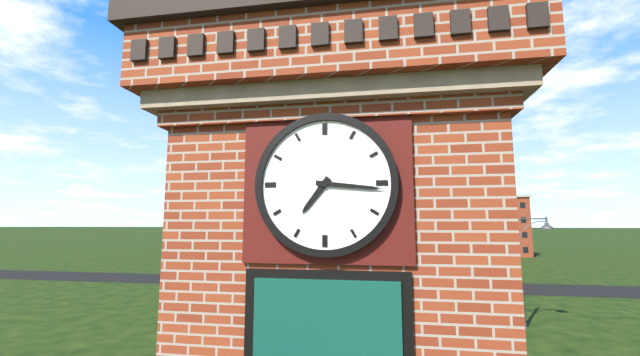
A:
7.16
